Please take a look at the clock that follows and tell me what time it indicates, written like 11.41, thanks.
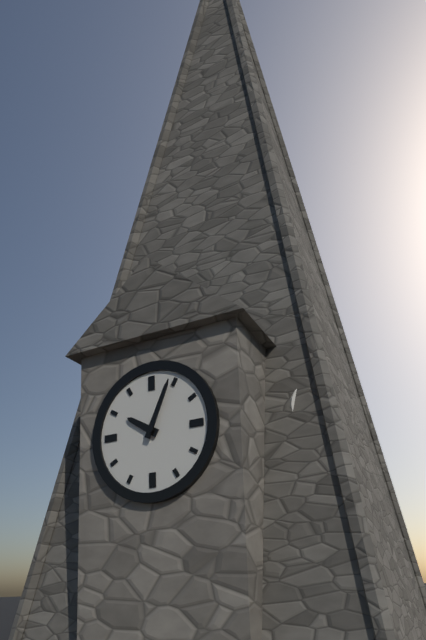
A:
10.04
